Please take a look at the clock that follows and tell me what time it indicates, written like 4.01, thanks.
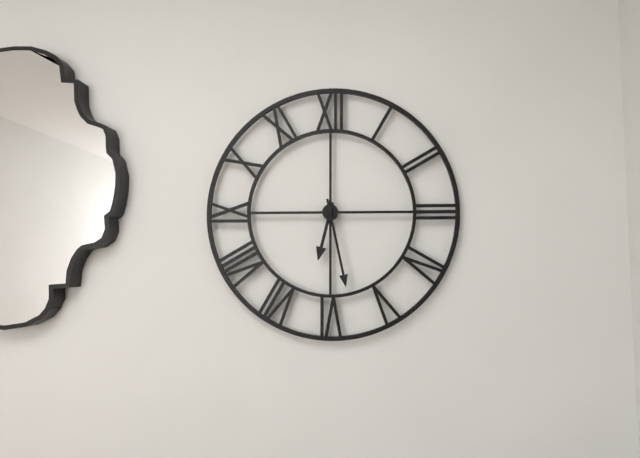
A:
6.28
